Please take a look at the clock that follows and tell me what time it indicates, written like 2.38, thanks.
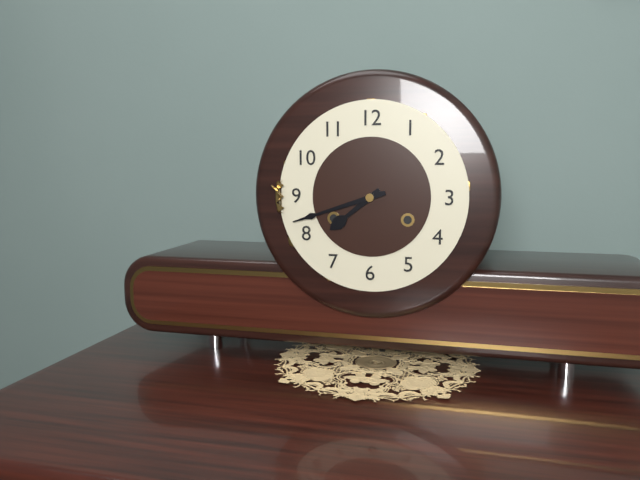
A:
7.42
